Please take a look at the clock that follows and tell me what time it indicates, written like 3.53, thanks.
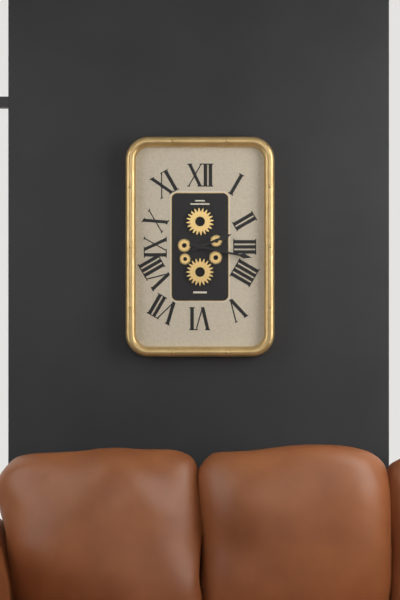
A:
2.17
